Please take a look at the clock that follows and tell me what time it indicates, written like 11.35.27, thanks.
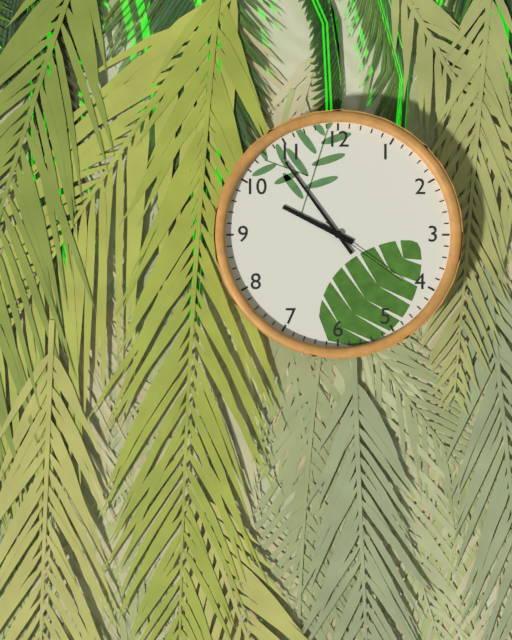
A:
9.54.21
